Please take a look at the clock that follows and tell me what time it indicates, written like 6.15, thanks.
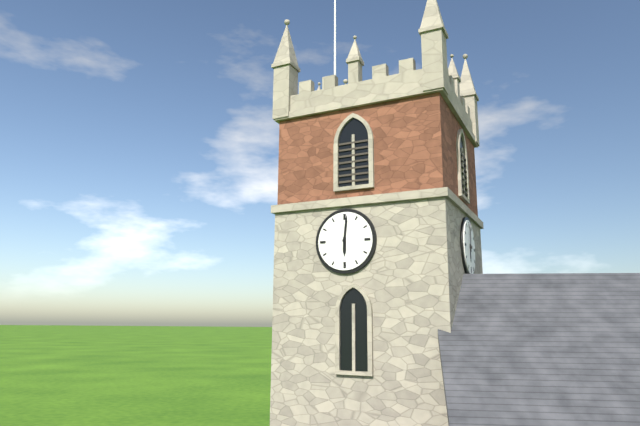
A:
6.01
